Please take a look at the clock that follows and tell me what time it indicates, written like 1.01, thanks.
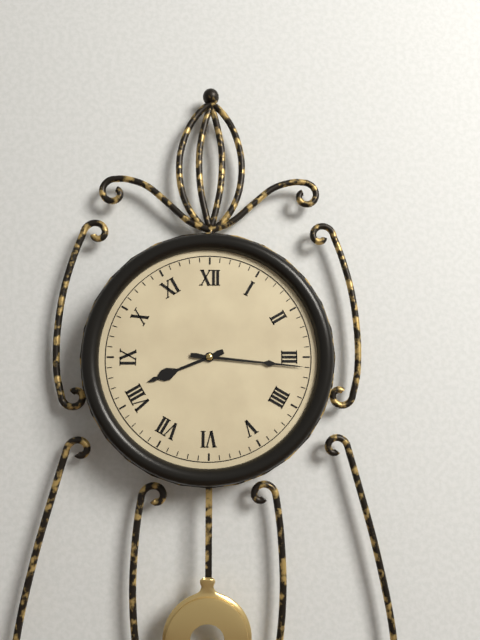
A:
8.16
